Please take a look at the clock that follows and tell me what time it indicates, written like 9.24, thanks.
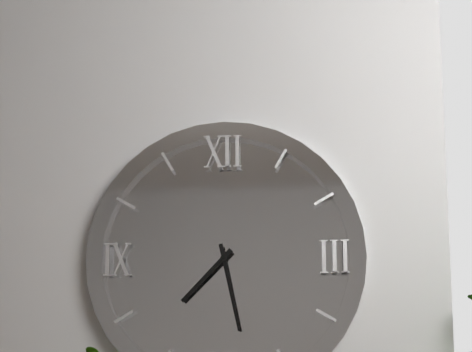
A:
7.28
